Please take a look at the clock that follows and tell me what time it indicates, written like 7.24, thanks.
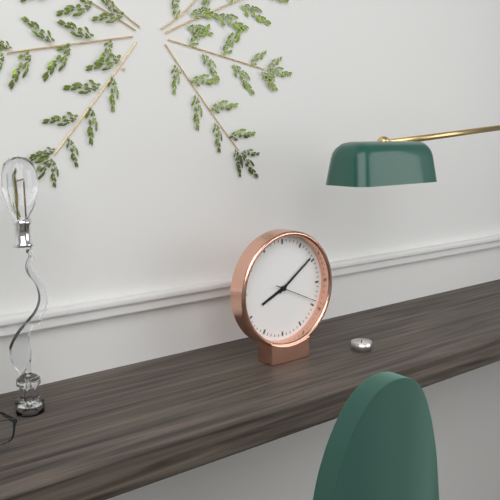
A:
8.09
